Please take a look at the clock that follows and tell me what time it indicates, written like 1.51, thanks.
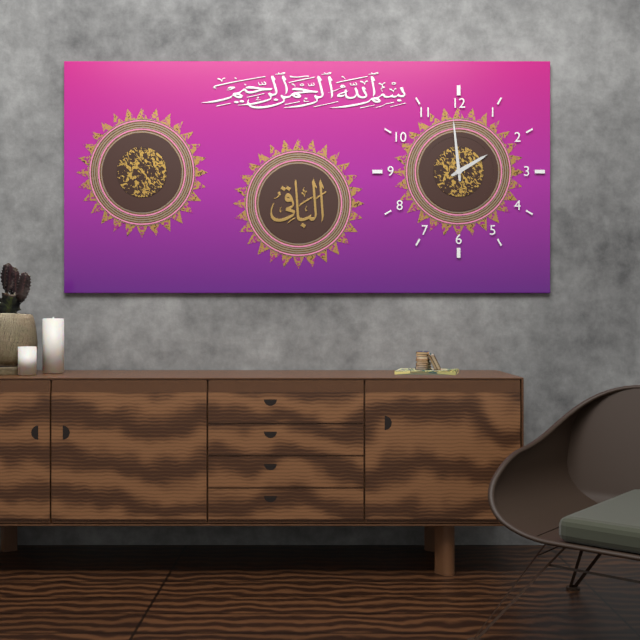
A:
1.59
